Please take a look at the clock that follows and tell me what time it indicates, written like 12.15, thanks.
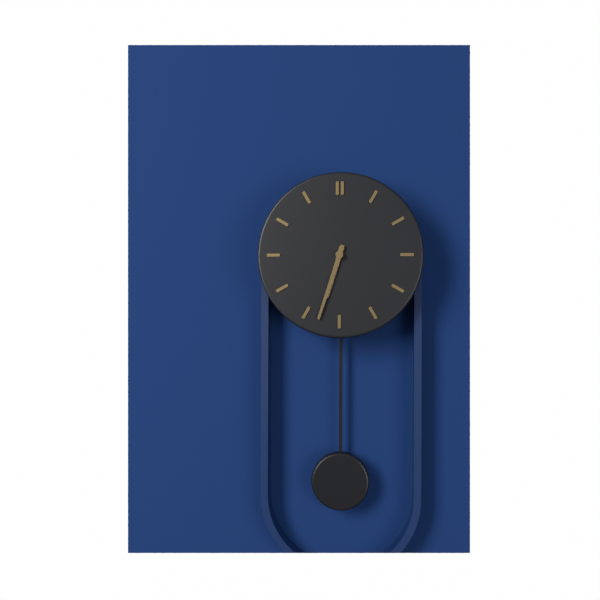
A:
6.33
